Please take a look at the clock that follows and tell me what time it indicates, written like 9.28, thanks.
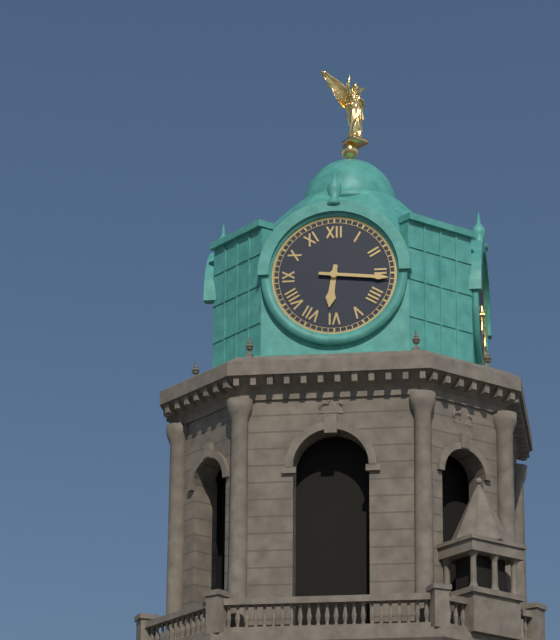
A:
6.16
